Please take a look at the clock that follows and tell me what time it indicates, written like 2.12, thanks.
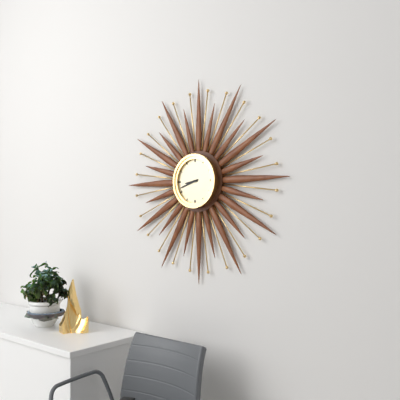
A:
8.42
